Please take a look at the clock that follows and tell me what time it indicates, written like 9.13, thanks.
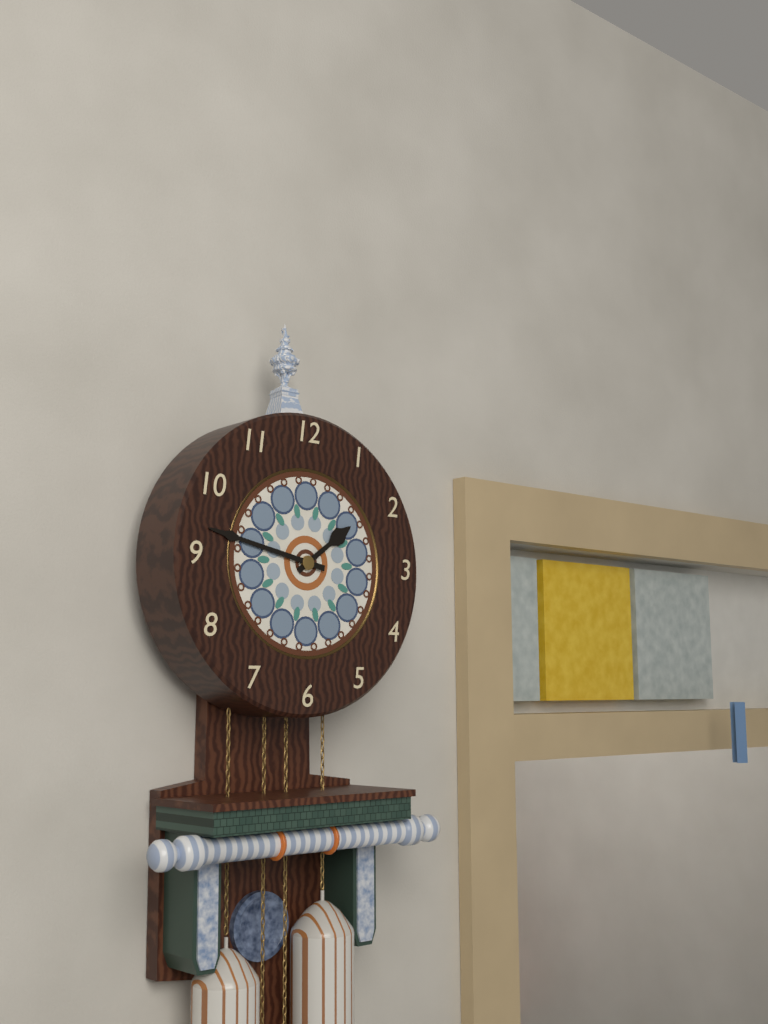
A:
1.47
